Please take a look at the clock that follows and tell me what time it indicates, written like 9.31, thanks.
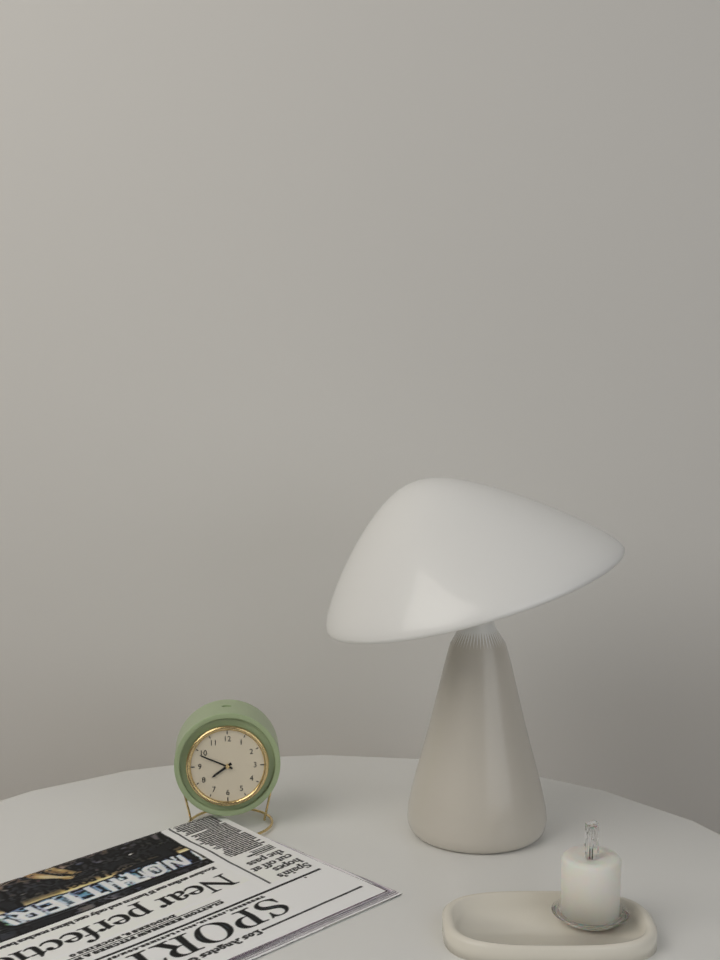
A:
7.49
